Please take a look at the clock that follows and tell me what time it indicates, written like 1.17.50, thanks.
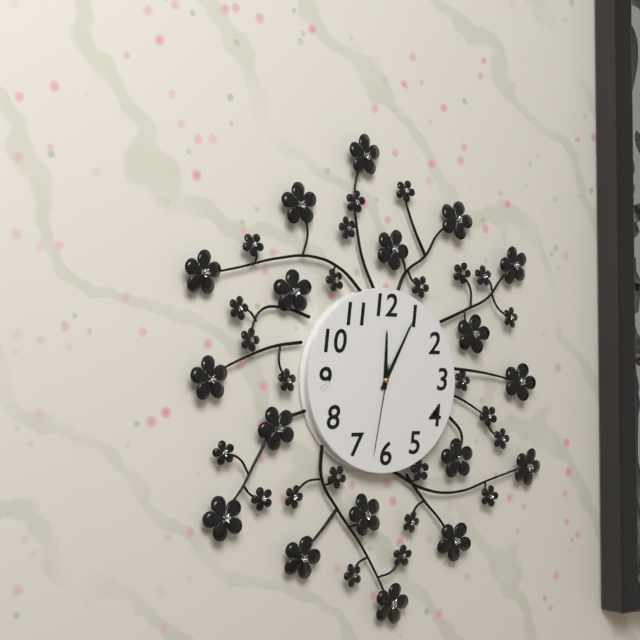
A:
12.05.32
